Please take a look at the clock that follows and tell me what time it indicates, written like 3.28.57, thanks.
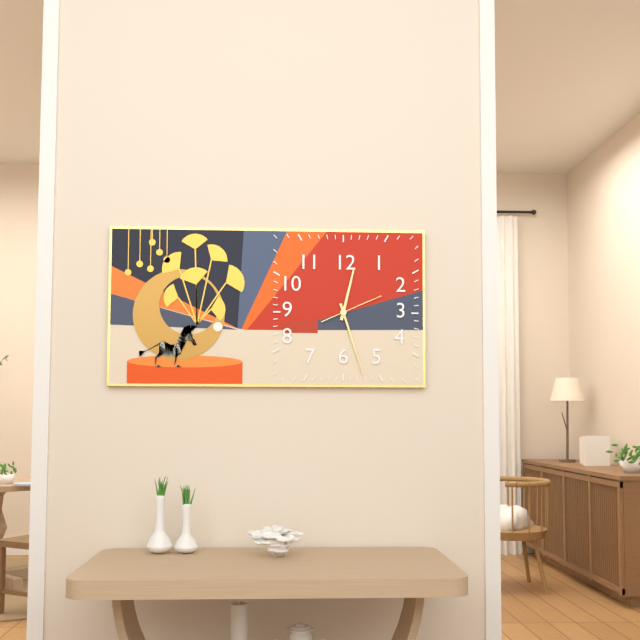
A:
12.27.11
